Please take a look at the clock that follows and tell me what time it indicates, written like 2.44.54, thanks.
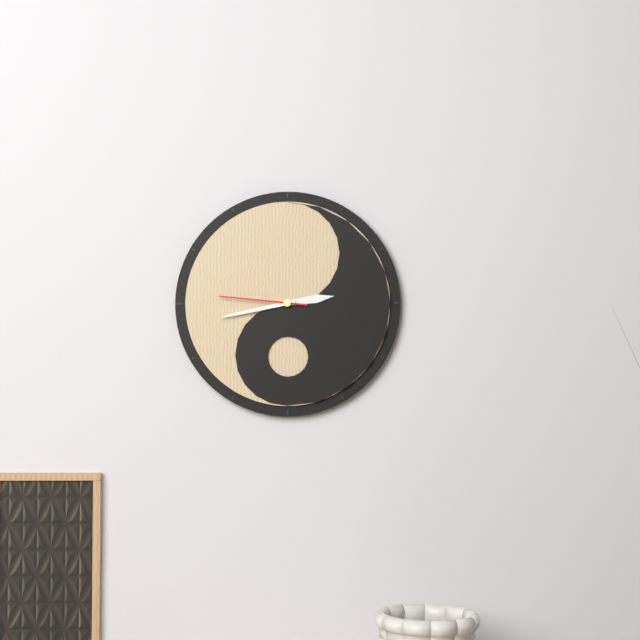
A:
2.43.46
